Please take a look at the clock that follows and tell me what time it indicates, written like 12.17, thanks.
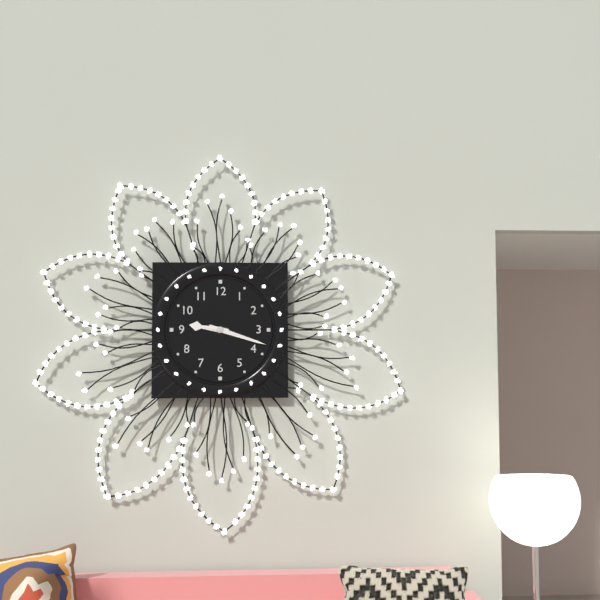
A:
9.18
